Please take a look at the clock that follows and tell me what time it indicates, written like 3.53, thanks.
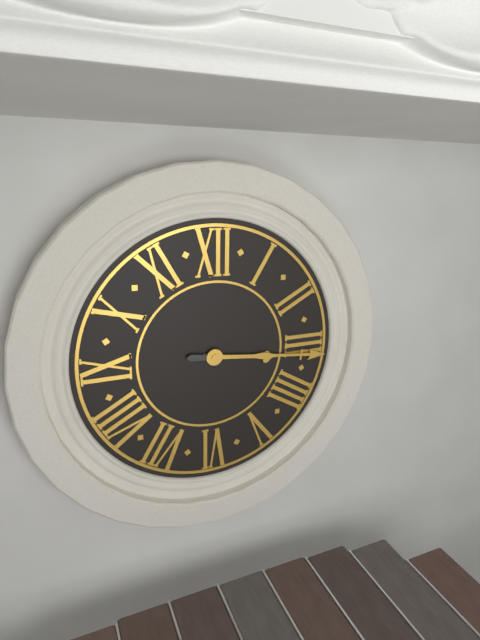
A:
3.16
